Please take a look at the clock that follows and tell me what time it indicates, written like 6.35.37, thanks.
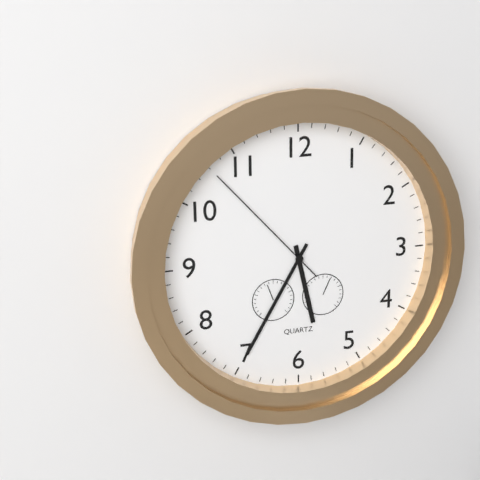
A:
5.35.53
